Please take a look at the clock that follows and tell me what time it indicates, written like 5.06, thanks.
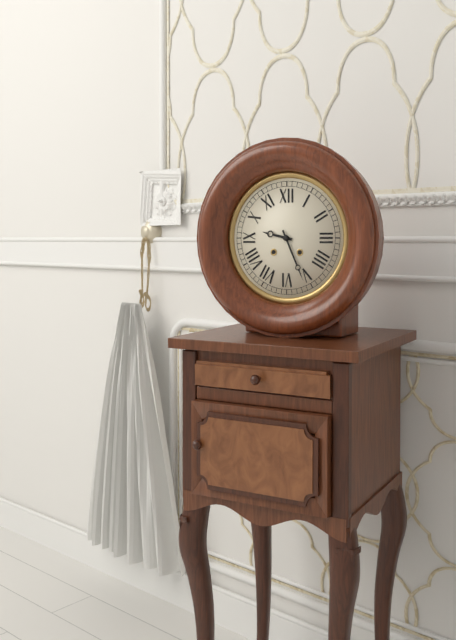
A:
9.26
